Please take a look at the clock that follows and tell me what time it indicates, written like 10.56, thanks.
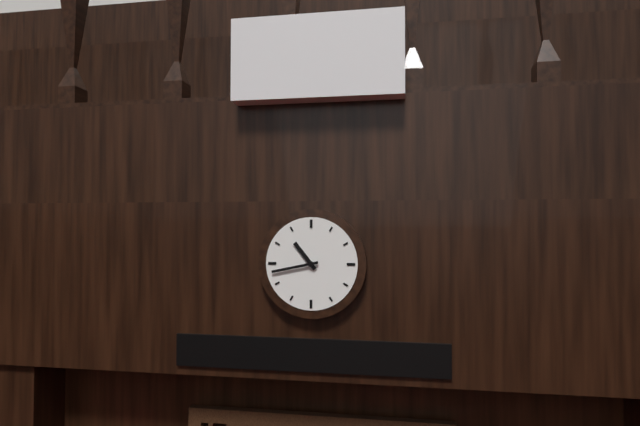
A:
10.43
